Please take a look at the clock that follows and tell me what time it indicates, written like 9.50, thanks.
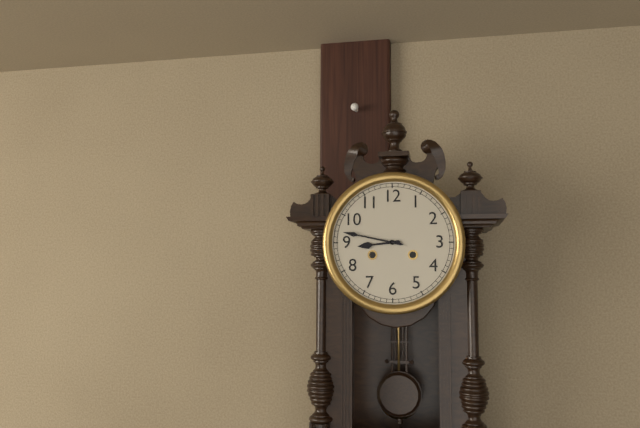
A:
8.47
